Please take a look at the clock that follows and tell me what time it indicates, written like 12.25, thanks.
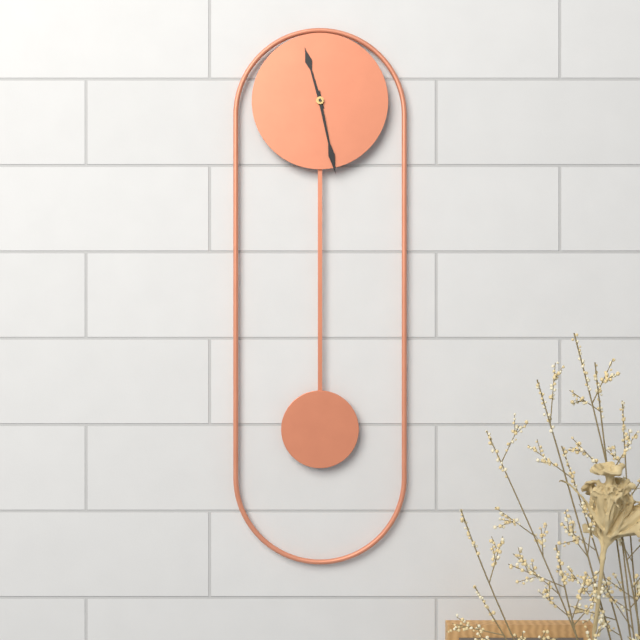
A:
11.28
